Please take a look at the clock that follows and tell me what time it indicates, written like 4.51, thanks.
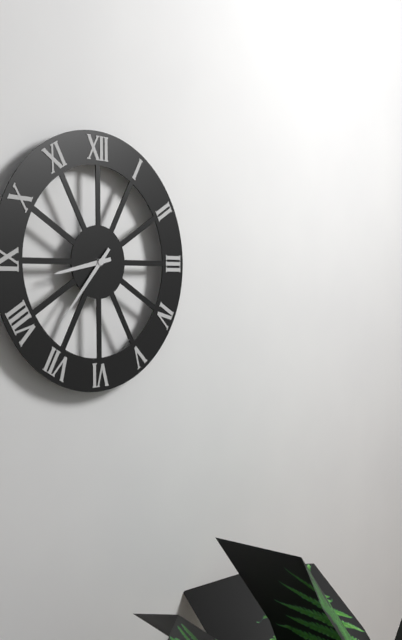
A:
8.37
